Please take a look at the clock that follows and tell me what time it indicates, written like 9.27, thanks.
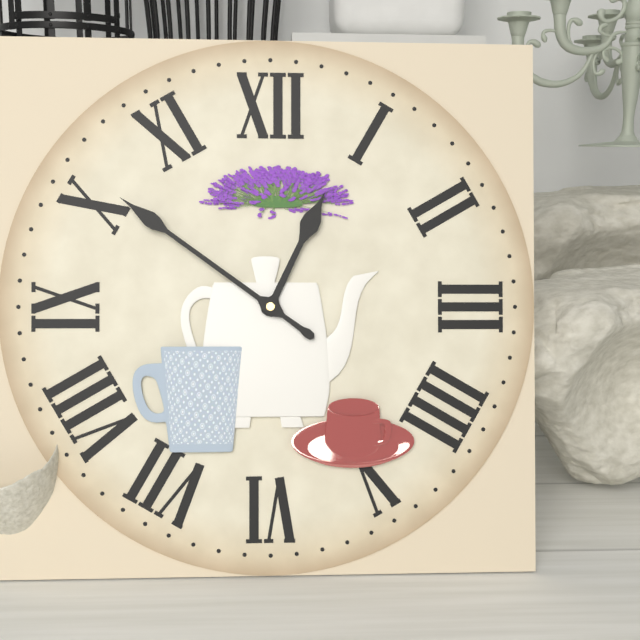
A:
12.51
